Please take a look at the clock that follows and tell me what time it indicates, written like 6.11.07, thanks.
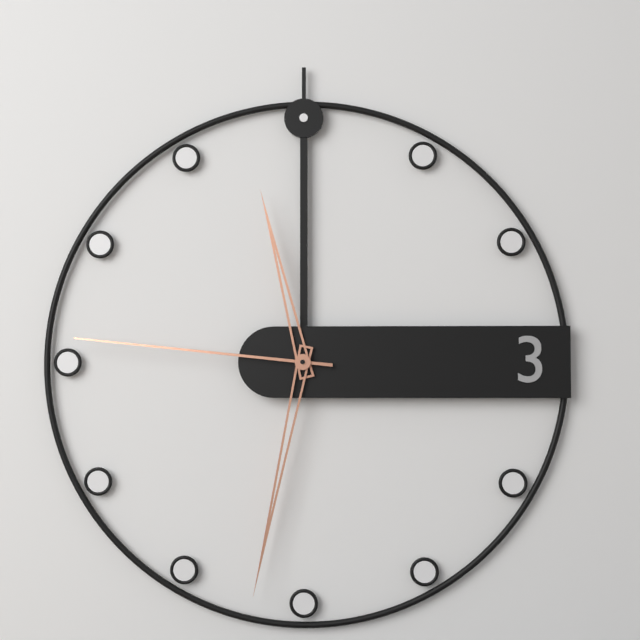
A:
11.32.46
